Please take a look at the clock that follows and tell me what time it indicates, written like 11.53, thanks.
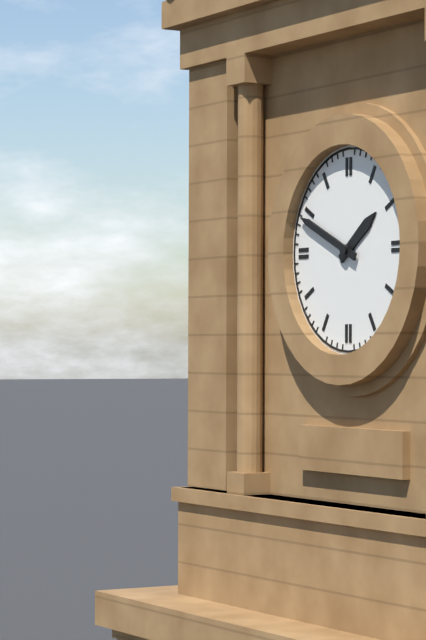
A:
1.49
